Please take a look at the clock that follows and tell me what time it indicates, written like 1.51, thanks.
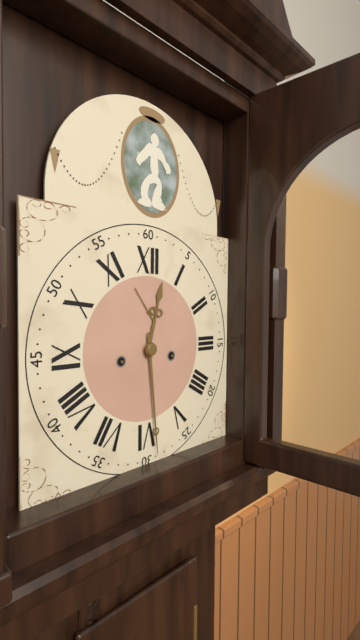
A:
12.29
